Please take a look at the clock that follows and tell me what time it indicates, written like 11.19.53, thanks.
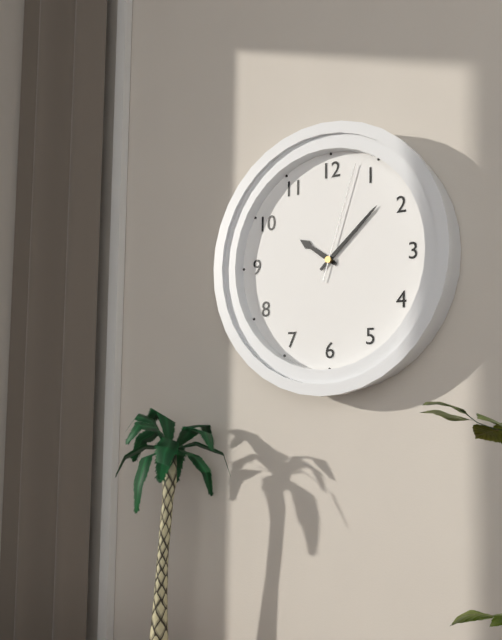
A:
10.08.03
